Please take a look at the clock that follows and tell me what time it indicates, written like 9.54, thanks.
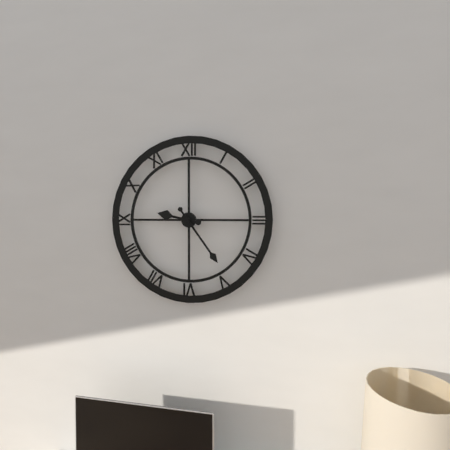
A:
9.24
